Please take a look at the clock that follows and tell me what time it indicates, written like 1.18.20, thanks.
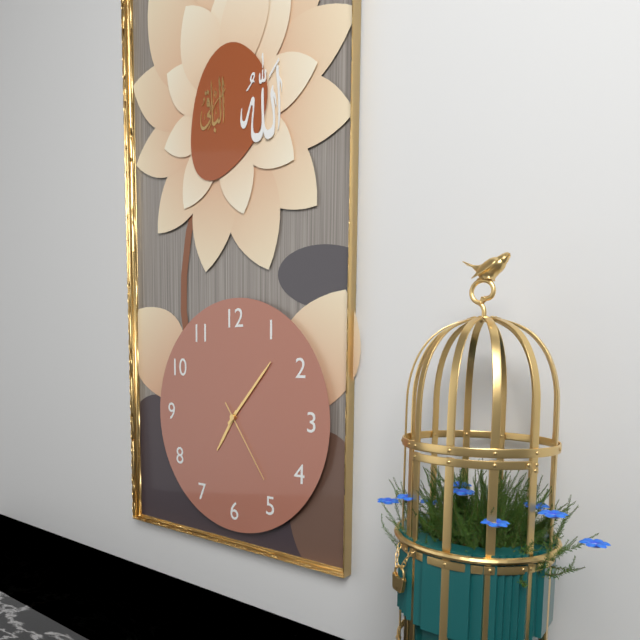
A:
7.07.24
